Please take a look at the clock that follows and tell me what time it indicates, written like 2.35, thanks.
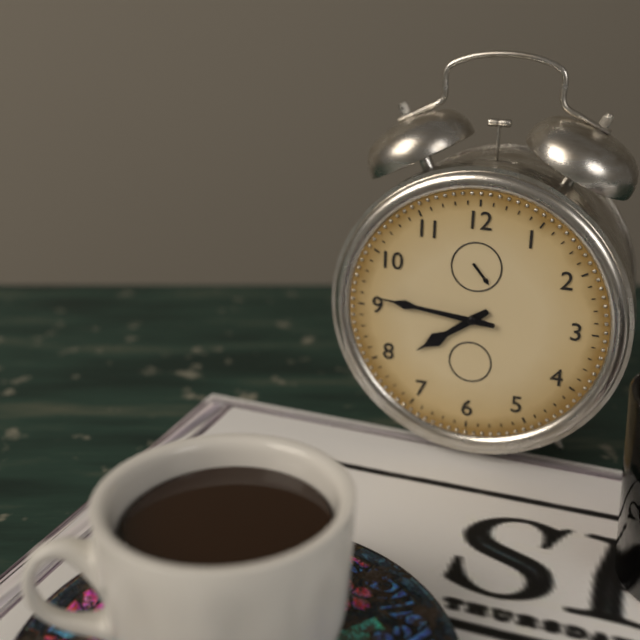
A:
7.46
